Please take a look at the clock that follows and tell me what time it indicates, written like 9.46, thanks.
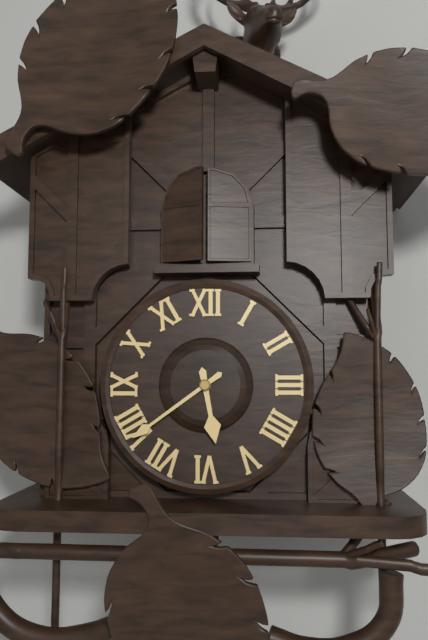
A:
5.39
